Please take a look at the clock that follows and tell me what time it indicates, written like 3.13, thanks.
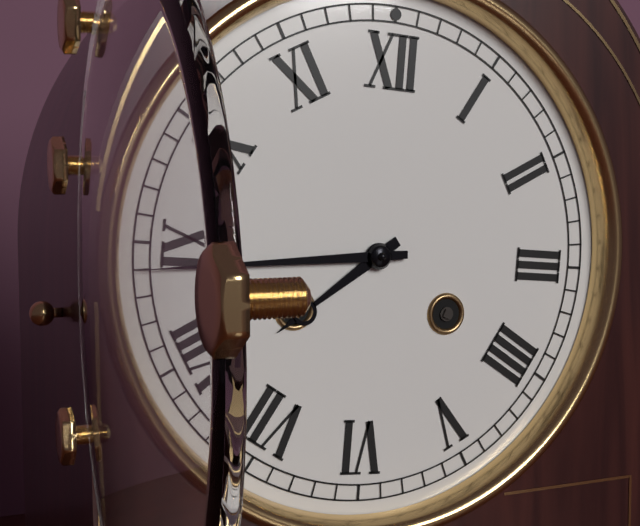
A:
7.44
